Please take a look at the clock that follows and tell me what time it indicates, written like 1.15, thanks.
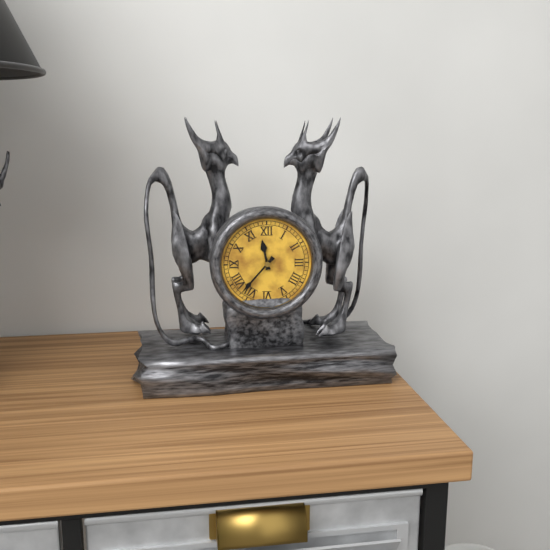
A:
11.37
